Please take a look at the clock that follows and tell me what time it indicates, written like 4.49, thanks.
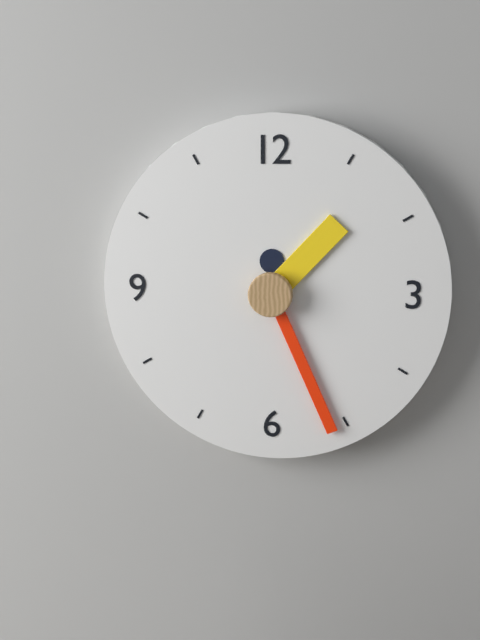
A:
1.26
